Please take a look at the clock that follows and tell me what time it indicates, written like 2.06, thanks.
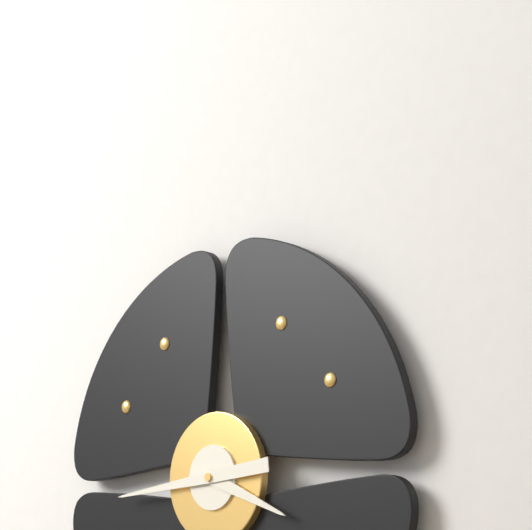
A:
3.44
